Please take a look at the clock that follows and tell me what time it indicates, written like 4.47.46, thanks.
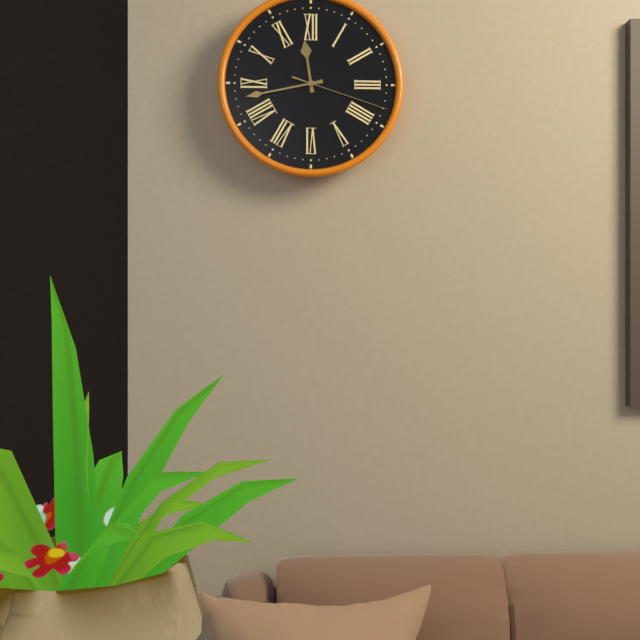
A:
11.43.18
